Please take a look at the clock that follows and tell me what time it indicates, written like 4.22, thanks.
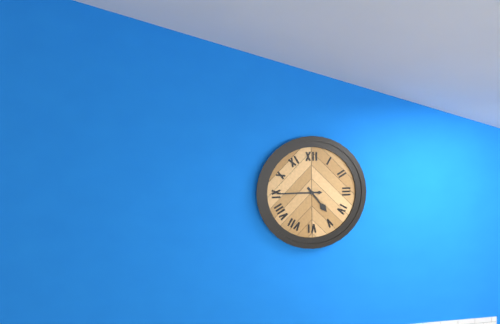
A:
4.45
